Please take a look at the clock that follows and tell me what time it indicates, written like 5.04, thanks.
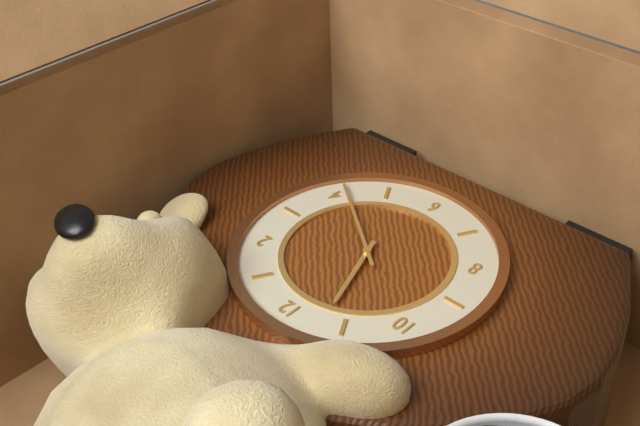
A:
11.21
